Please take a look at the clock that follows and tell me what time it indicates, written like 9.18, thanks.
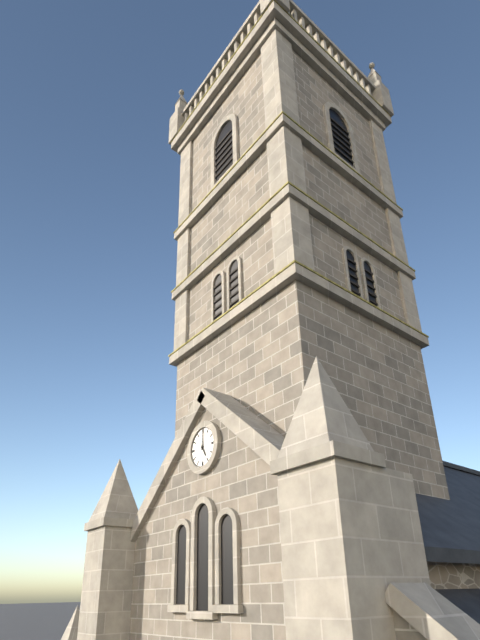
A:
5.01
